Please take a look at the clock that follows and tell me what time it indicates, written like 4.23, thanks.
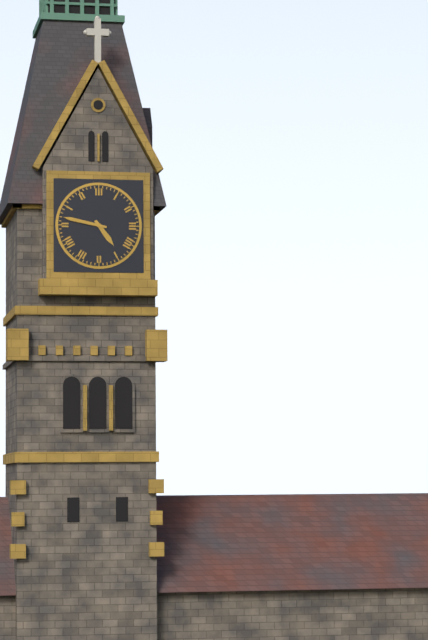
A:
4.47
